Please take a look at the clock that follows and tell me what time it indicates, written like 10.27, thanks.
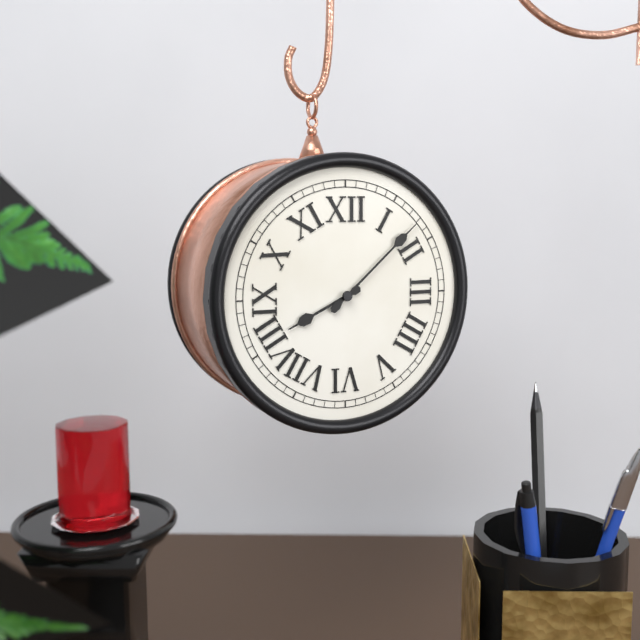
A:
8.08
